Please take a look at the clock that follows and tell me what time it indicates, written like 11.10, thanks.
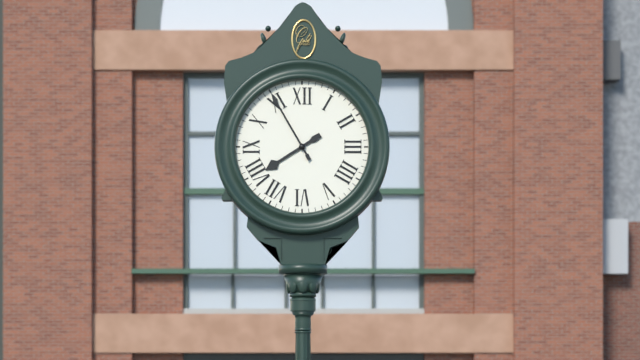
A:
7.55
